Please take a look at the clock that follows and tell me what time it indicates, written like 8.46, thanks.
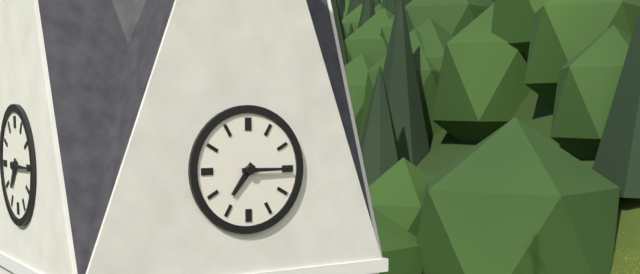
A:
7.15
